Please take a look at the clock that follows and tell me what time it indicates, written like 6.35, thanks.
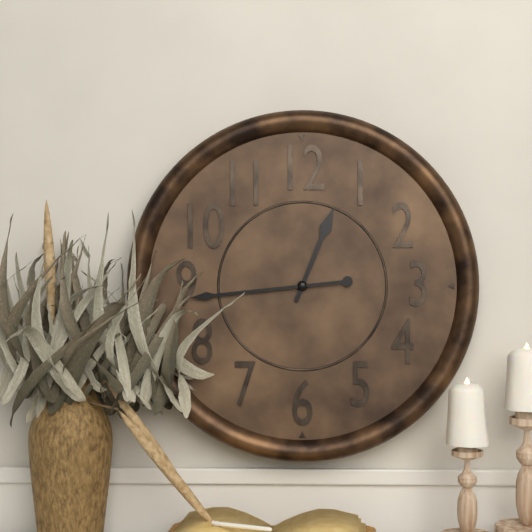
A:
12.44
